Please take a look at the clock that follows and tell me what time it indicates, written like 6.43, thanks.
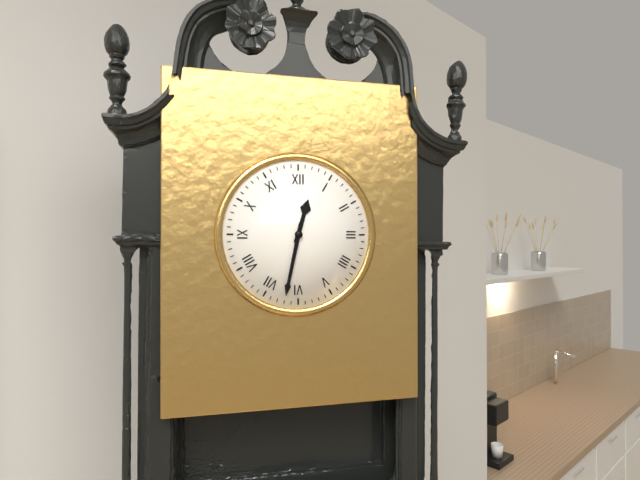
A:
12.32
